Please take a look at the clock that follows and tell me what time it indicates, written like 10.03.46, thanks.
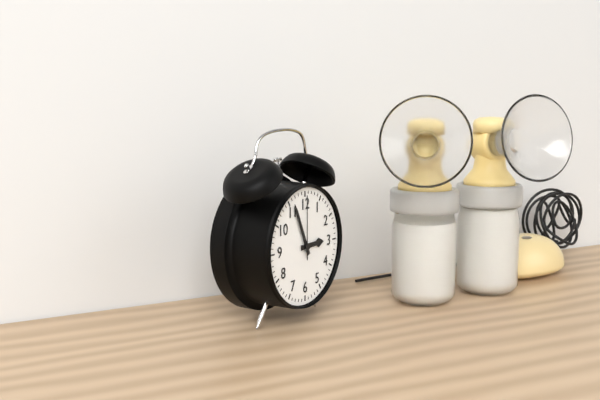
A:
2.56.00
